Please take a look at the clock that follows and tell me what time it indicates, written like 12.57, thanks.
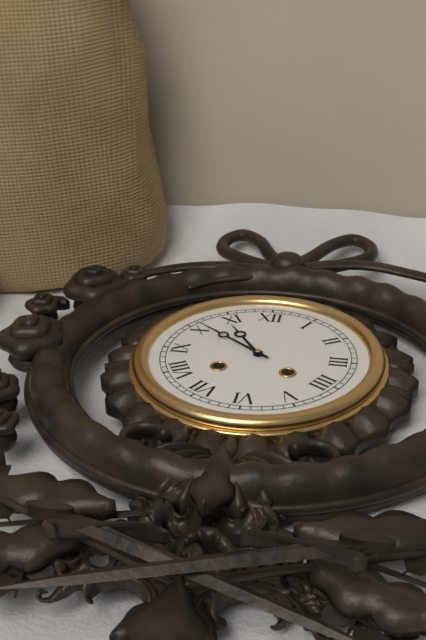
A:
10.51
